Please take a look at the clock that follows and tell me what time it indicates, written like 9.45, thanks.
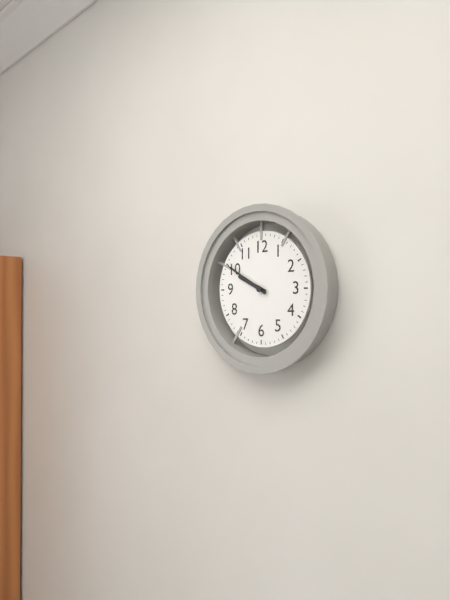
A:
9.50
